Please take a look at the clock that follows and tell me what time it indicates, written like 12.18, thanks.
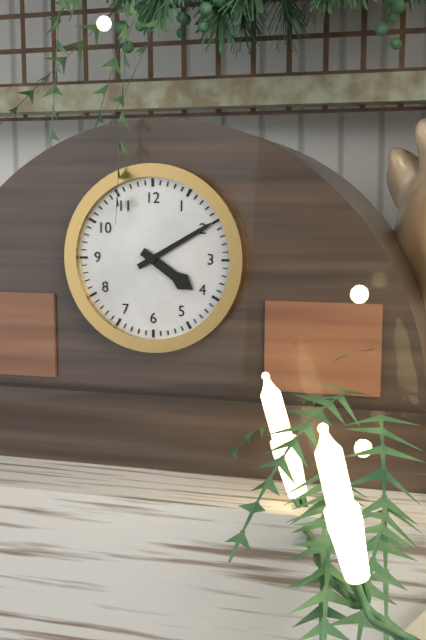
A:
4.10
